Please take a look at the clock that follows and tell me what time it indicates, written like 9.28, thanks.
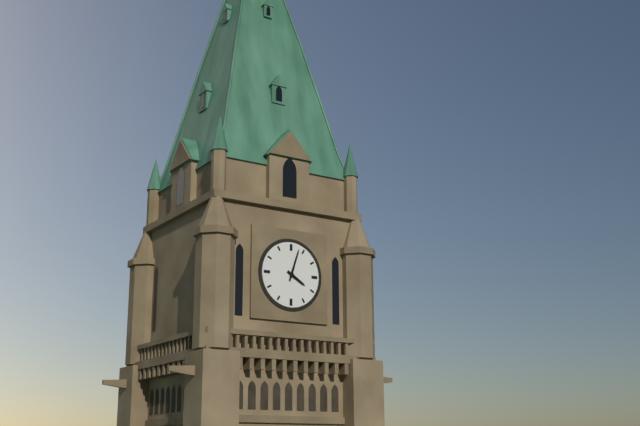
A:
4.03
